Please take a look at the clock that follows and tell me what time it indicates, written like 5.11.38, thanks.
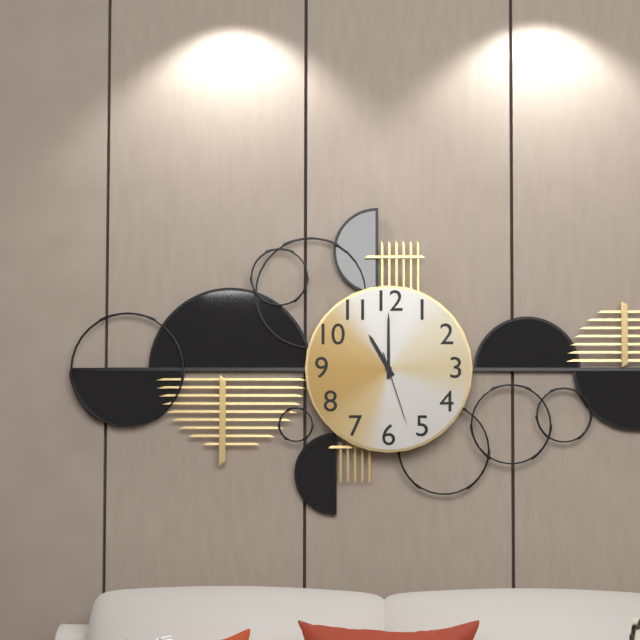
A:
11.00.27
